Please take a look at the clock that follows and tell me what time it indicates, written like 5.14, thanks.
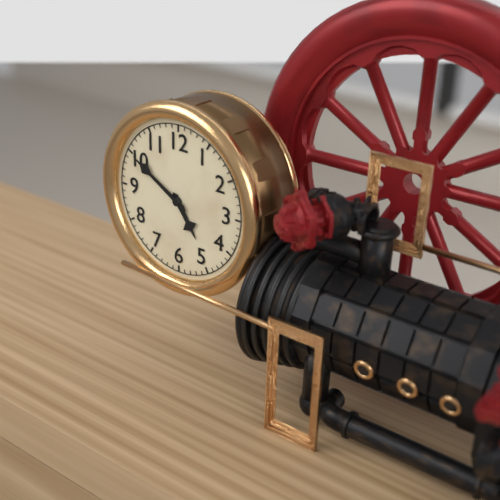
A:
4.50
